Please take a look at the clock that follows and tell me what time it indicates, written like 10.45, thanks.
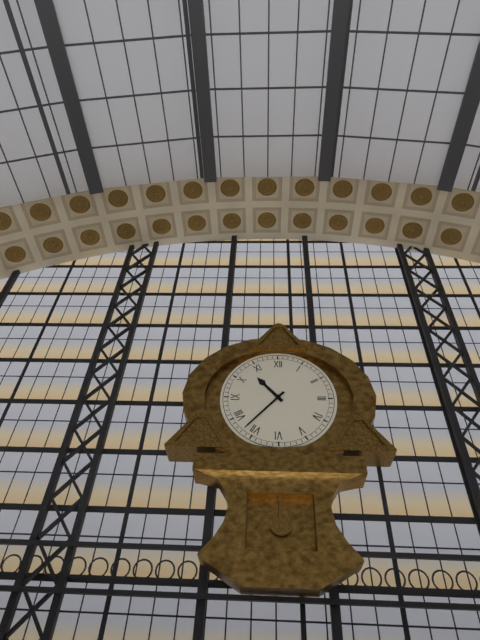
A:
10.37
